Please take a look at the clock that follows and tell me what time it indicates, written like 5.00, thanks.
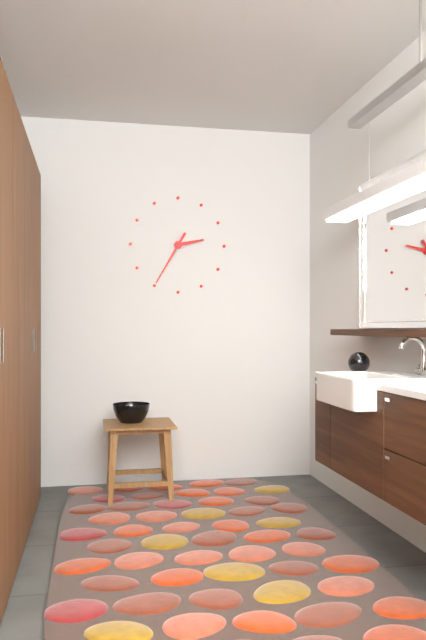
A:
2.35
